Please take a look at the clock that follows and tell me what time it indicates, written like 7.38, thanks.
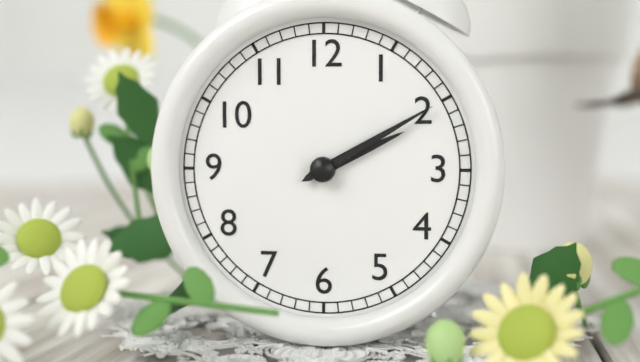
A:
2.10
